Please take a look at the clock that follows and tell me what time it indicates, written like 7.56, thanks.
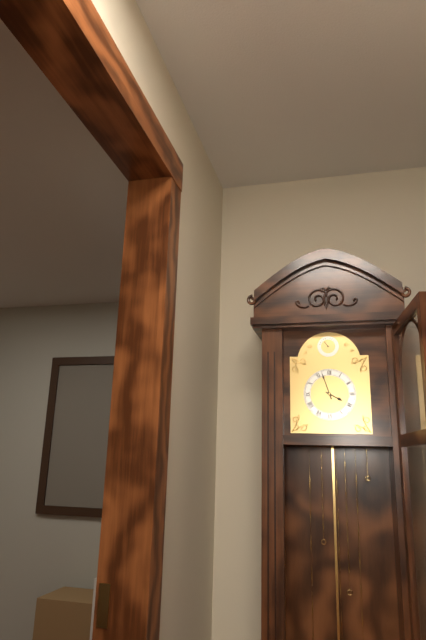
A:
3.57
